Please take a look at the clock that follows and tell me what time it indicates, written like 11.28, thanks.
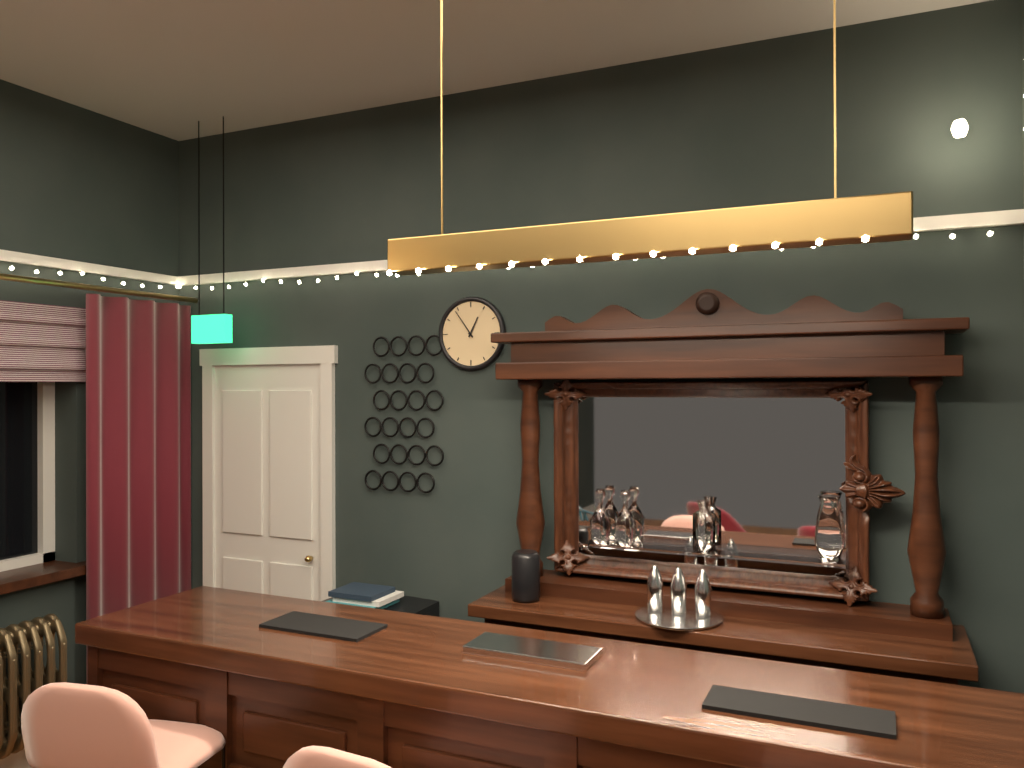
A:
12.54
